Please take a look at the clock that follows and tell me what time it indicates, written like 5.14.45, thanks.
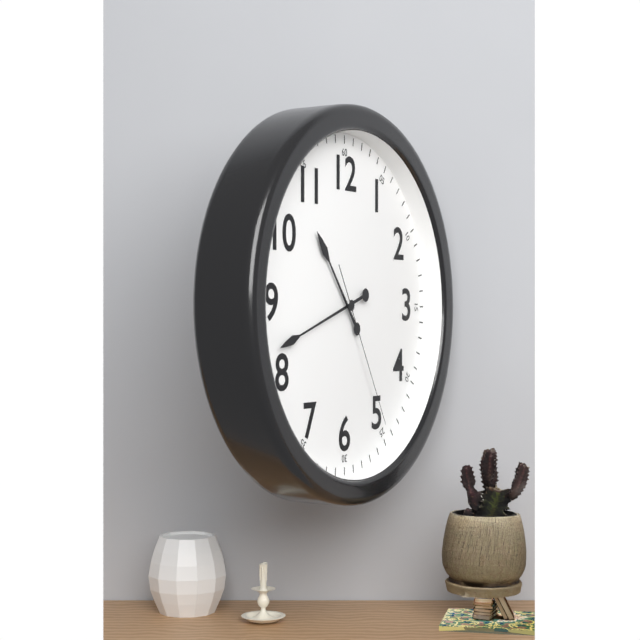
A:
10.42.25
